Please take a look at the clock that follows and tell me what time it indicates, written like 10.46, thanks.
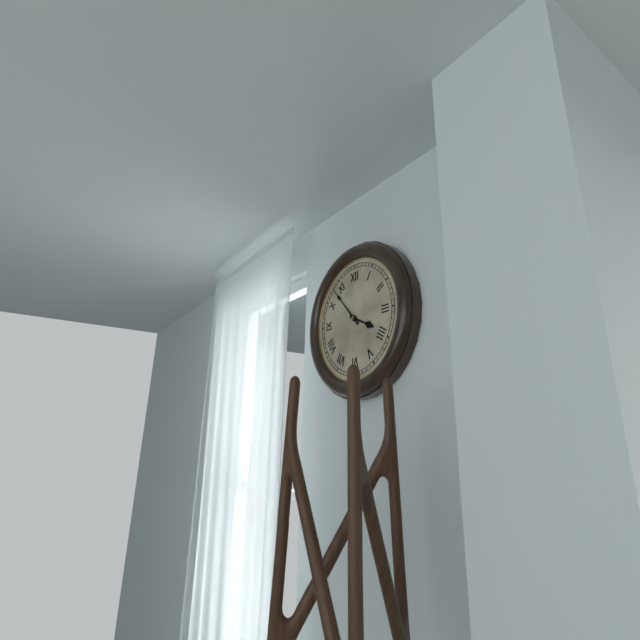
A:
3.53
